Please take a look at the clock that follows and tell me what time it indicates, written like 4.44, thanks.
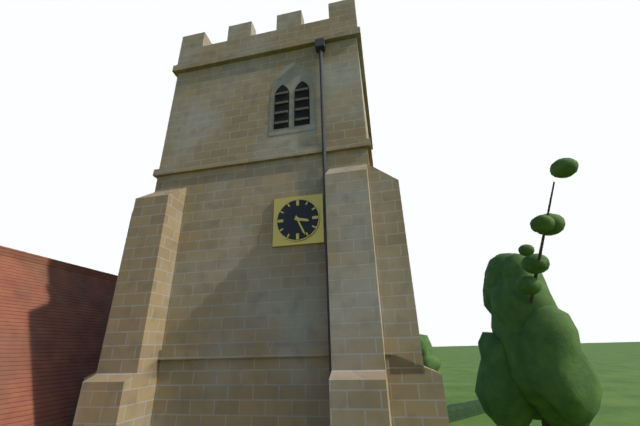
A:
3.26
